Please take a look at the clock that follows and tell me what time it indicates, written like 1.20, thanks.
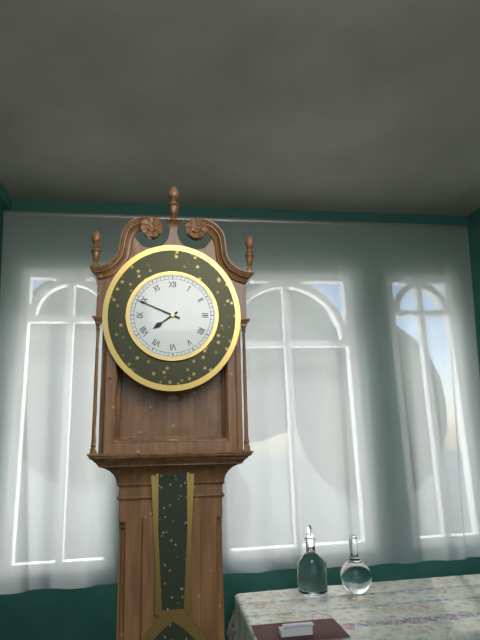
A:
7.49
